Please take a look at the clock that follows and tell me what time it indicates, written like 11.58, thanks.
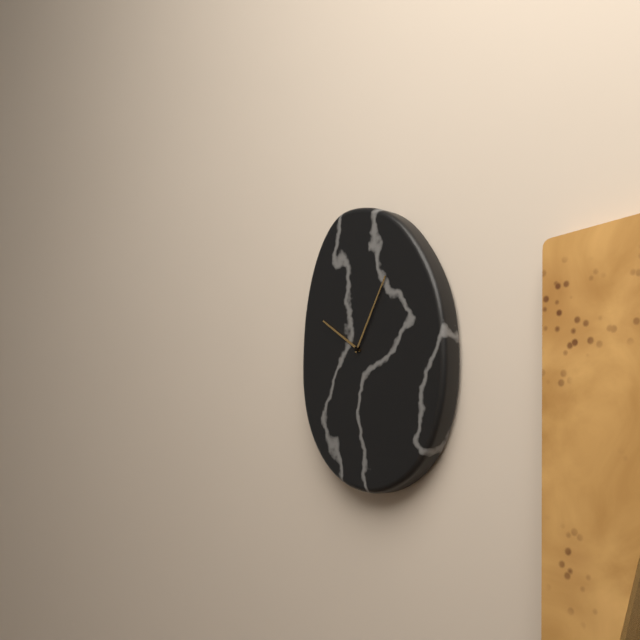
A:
10.05
